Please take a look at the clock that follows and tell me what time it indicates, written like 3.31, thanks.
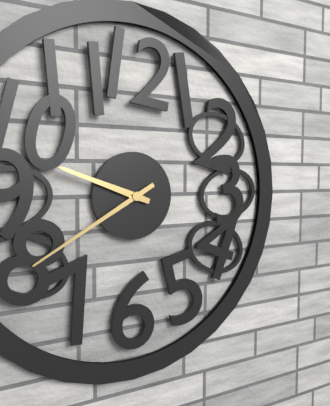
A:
9.40
